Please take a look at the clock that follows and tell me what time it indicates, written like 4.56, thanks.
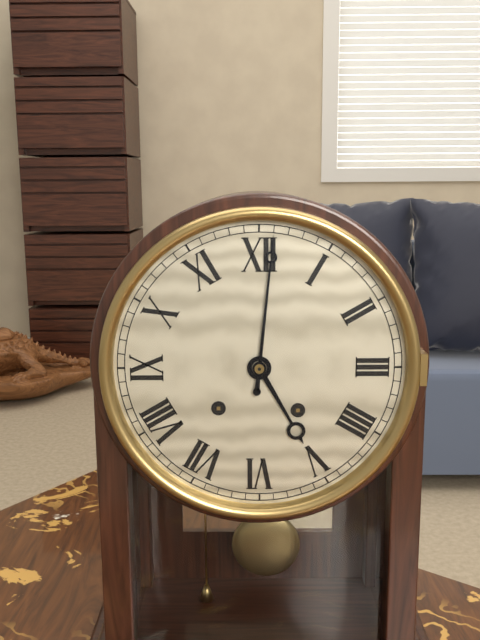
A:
5.01
